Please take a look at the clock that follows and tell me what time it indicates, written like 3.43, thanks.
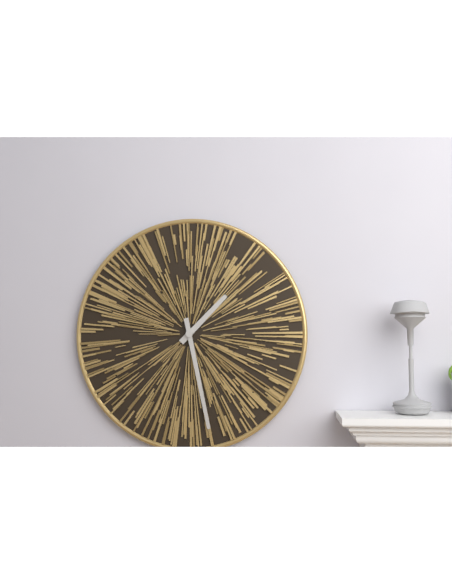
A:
1.28
